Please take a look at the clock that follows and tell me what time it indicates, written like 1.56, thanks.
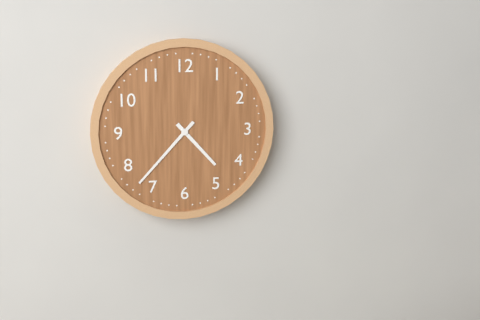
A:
4.37
